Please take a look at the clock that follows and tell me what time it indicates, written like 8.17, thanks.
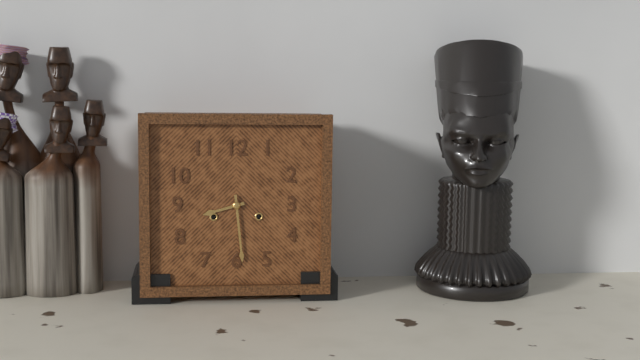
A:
8.29
